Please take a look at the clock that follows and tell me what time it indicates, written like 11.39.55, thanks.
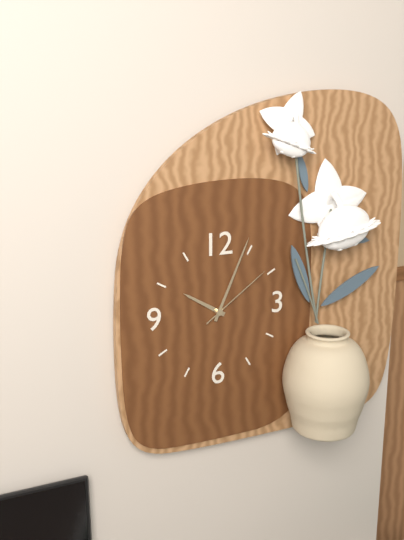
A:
10.04.09
